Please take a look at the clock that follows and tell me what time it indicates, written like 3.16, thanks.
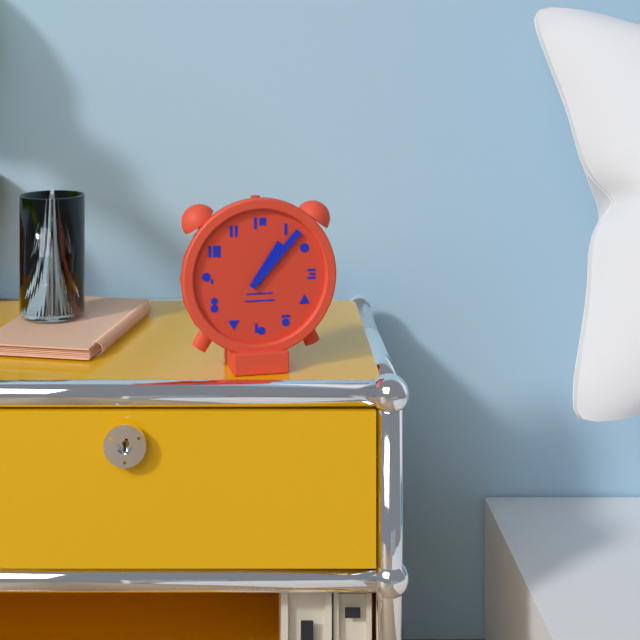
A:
1.07
